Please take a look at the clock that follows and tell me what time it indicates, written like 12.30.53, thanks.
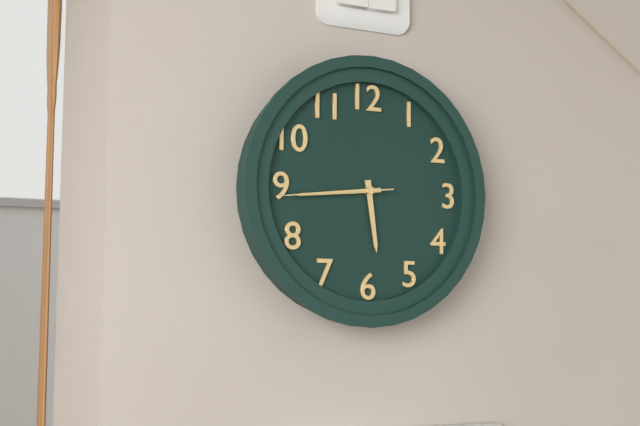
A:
5.44.44
